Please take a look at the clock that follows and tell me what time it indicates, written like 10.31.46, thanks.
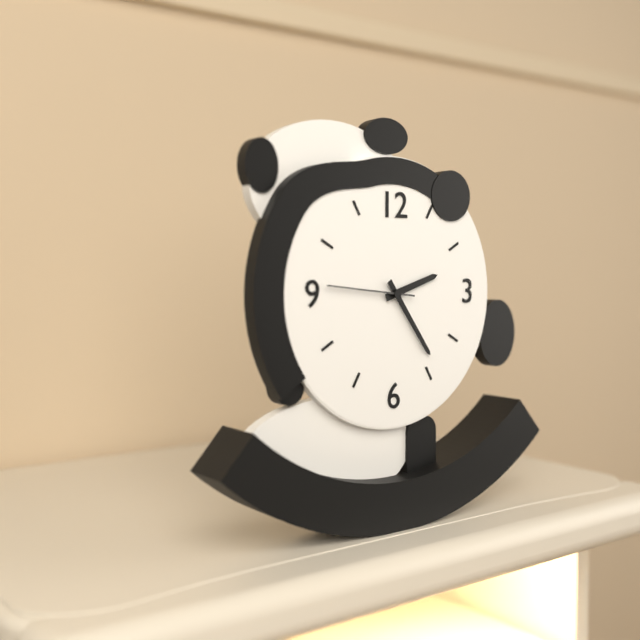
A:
2.24.46
